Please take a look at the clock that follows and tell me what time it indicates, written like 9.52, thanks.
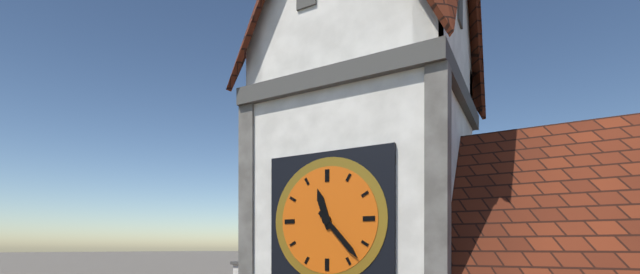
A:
11.23
